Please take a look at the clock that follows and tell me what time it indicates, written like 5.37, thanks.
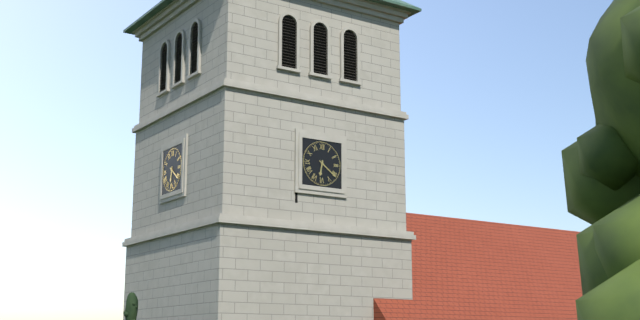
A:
6.21
